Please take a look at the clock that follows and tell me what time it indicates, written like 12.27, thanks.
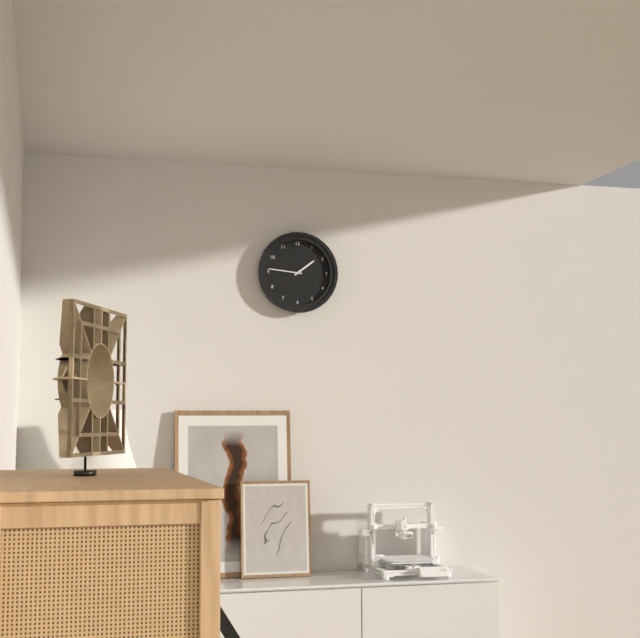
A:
1.46
